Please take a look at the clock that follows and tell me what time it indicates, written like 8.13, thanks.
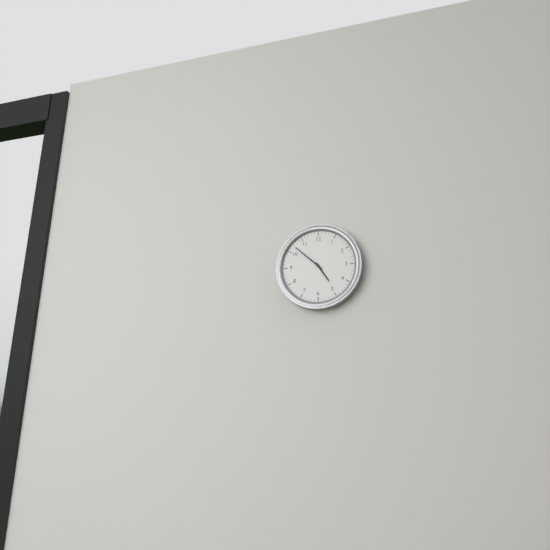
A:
4.52
